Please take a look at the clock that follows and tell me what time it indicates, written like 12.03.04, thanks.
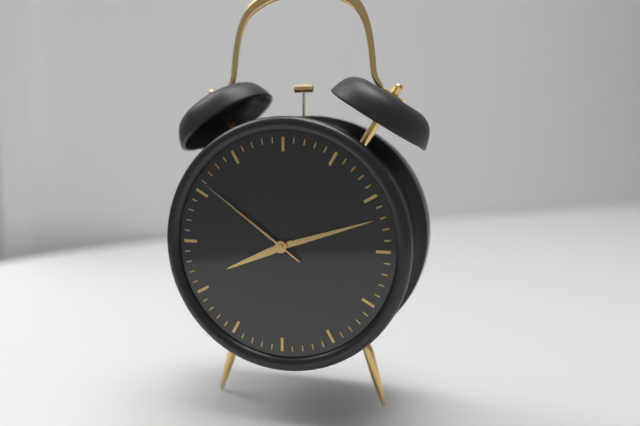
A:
8.12.51
